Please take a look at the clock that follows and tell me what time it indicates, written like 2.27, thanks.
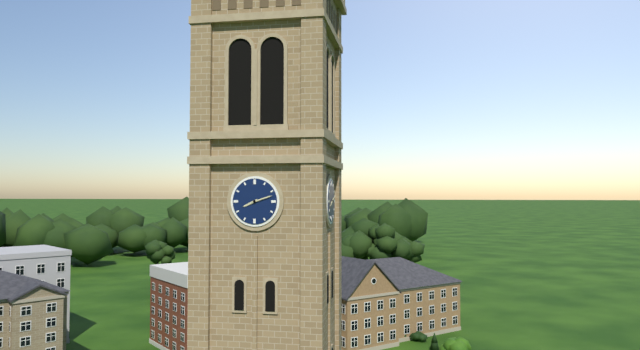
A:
8.12
